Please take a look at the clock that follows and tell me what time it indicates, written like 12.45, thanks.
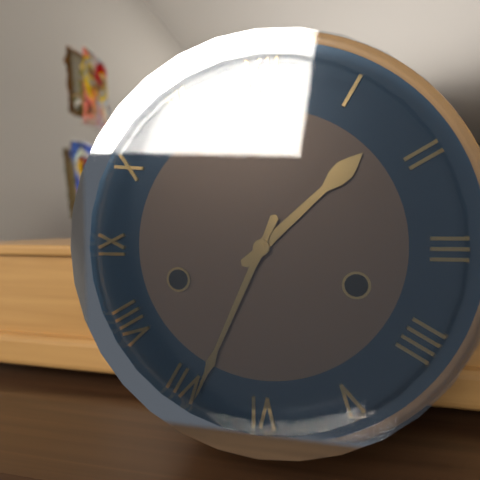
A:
1.34
